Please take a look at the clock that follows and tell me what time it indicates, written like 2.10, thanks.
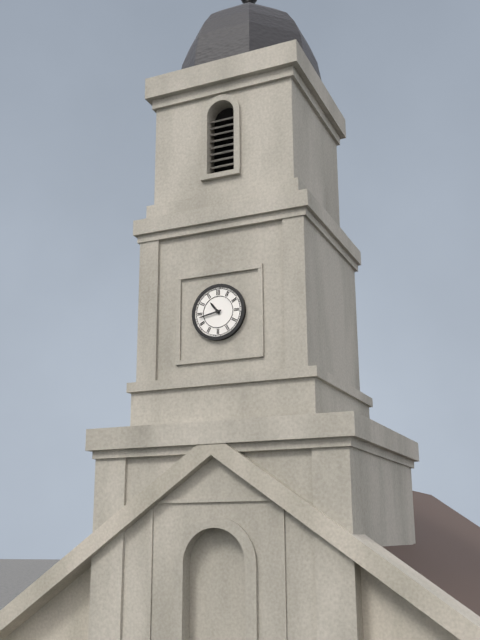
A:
10.43
